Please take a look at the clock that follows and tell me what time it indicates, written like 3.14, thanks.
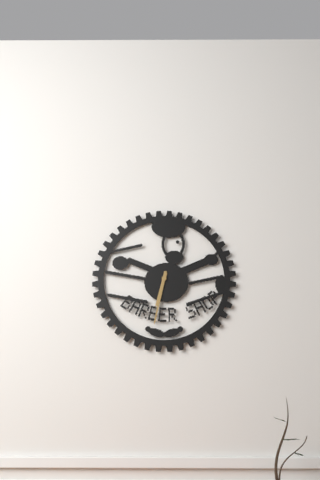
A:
6.32
